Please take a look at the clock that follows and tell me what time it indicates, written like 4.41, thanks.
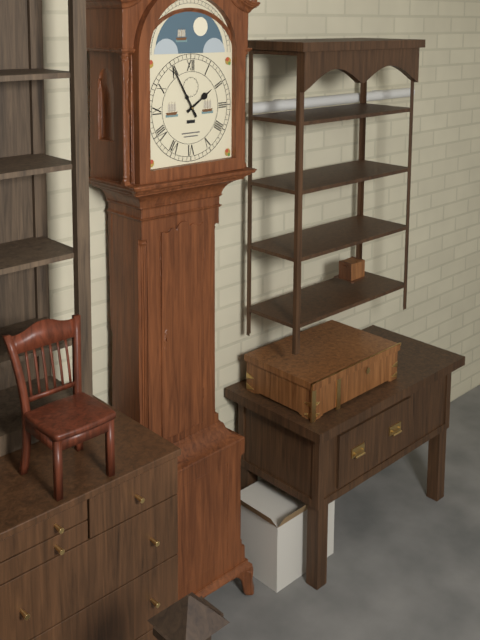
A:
1.55
